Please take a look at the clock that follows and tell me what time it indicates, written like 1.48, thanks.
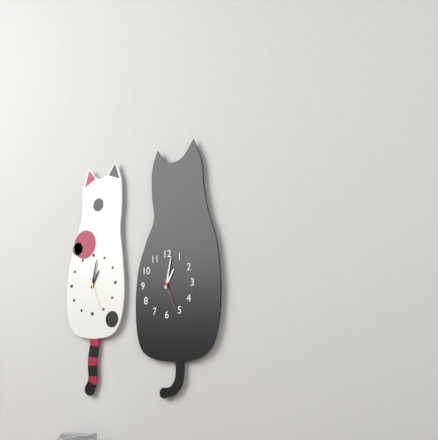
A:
1.02
